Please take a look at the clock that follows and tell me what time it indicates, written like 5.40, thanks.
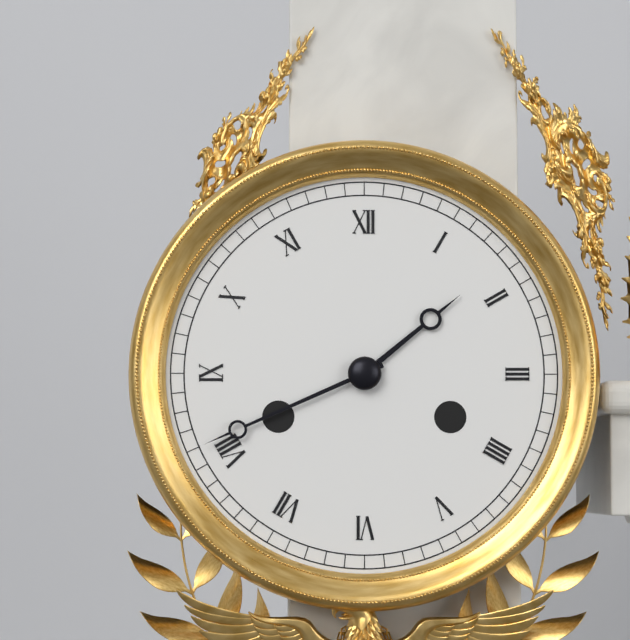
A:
1.41
